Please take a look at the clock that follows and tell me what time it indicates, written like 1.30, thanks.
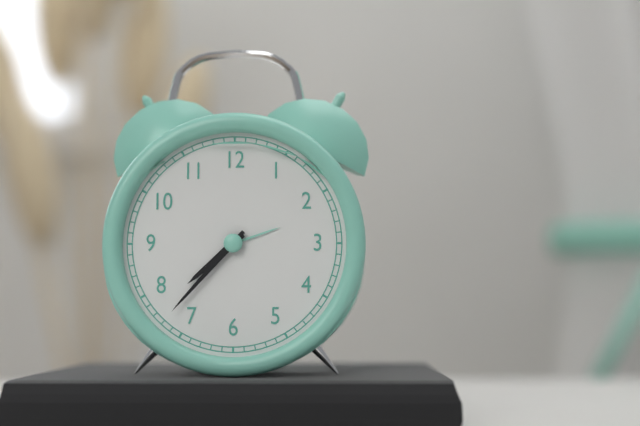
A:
7.37
